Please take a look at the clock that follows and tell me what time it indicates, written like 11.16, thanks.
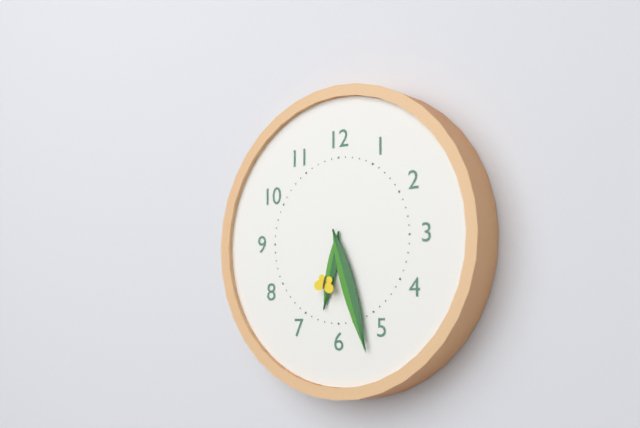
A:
6.27
